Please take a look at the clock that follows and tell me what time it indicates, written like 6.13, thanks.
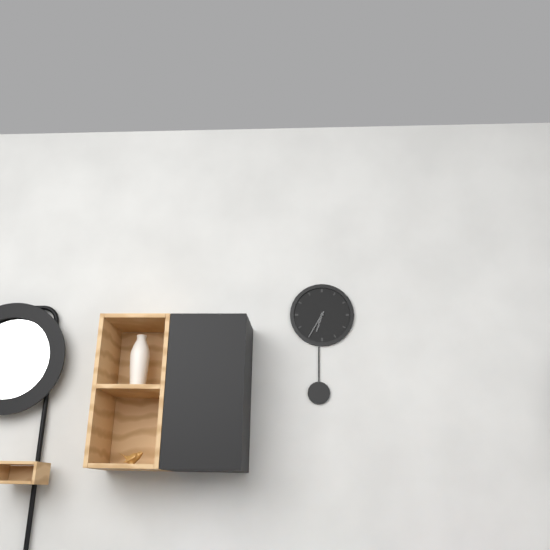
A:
6.35
